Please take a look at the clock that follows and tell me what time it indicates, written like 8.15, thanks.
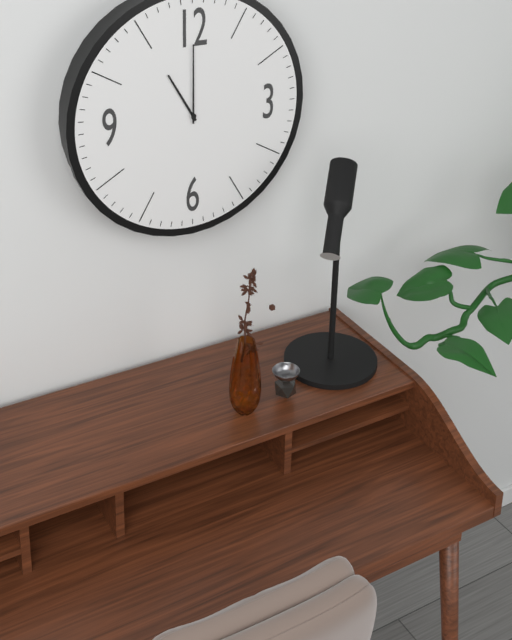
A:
11.00
